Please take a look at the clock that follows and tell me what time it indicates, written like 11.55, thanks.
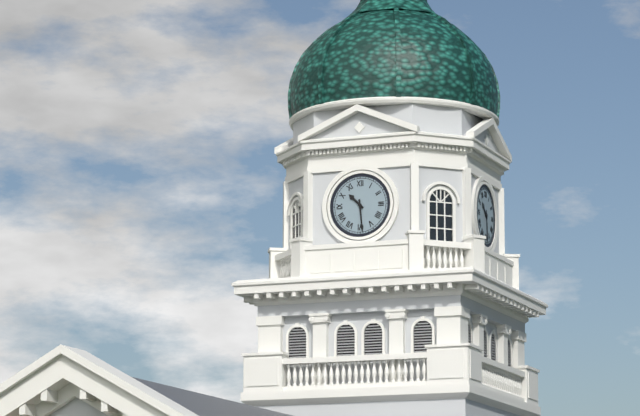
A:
10.29
